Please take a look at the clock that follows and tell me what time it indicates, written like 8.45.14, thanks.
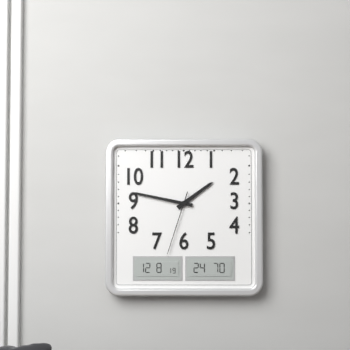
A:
1.47.33
